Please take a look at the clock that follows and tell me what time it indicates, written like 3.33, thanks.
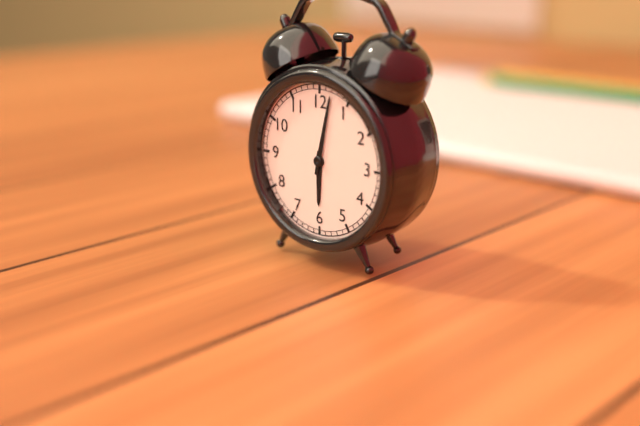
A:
6.02
